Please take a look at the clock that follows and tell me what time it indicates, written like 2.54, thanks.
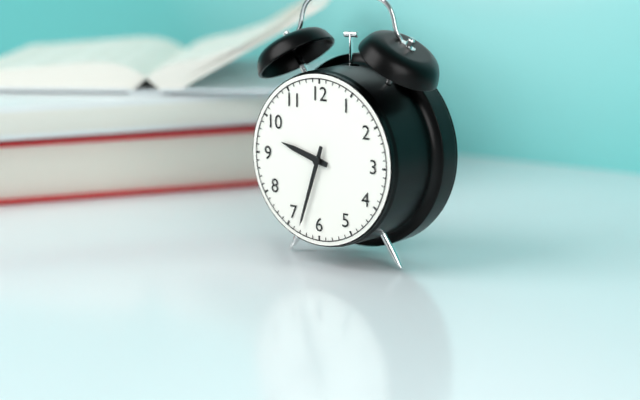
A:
9.33
